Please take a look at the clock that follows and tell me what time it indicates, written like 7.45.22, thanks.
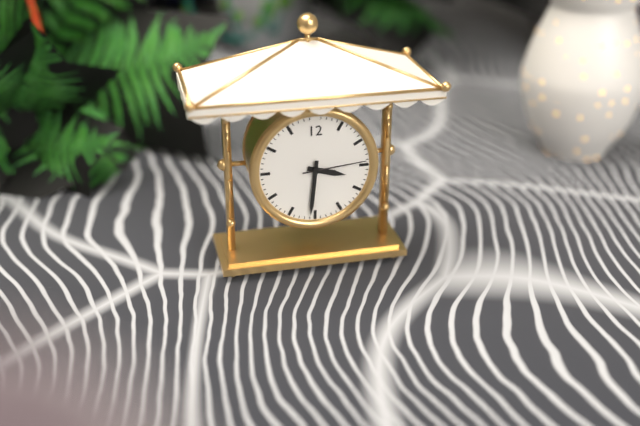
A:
3.31.14
